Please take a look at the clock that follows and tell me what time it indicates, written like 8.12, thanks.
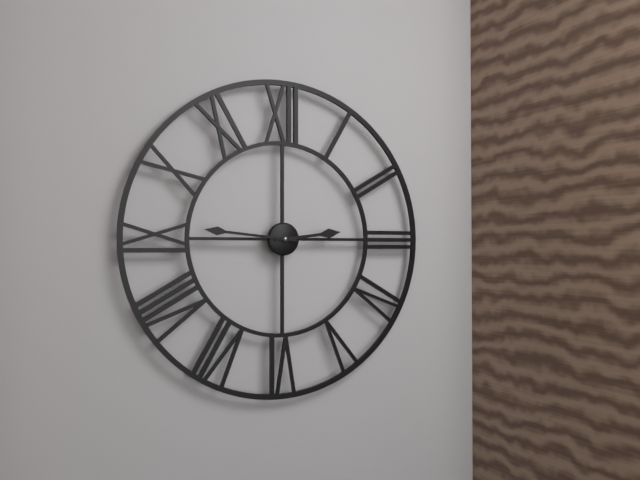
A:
2.46
